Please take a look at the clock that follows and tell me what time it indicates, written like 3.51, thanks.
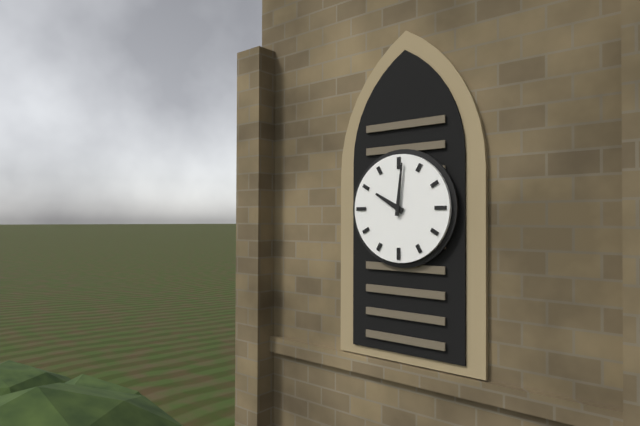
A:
10.01
